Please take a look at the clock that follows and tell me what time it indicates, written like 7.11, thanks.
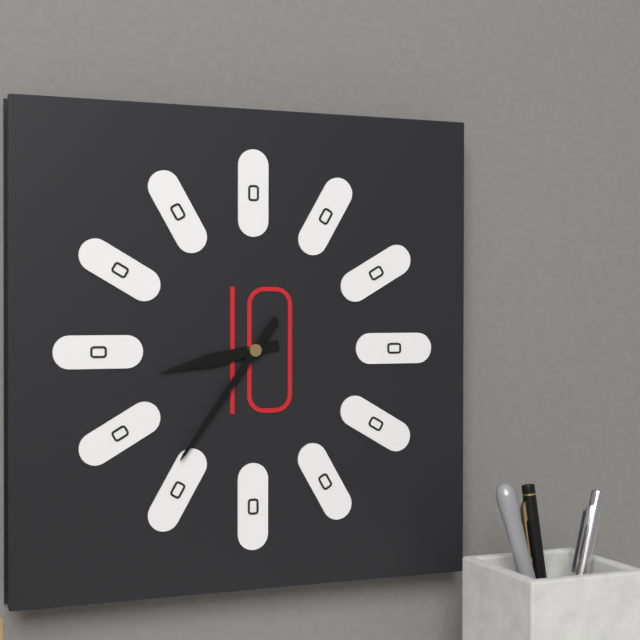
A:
8.36
